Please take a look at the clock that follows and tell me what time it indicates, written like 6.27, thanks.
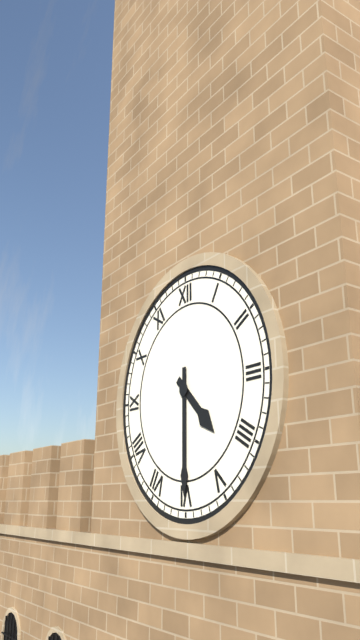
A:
4.30
